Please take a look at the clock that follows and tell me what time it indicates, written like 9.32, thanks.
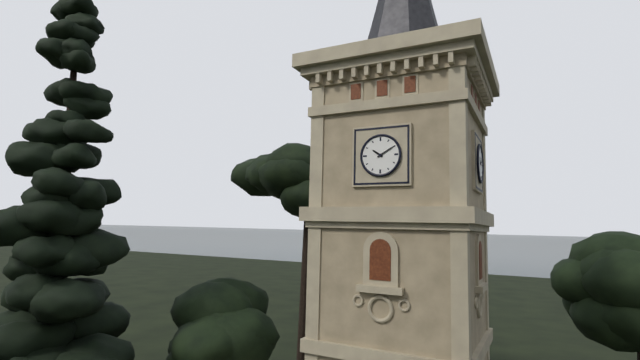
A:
10.10
